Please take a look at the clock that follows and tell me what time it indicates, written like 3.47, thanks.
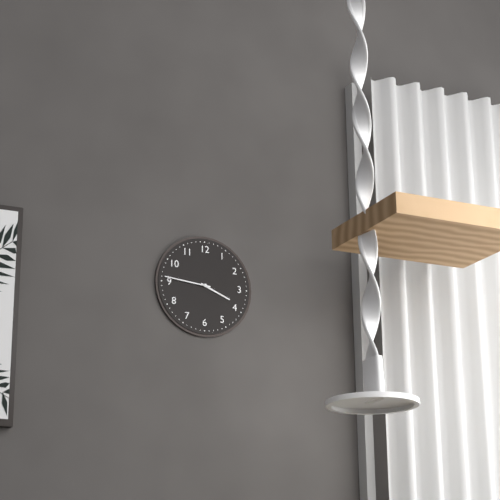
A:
3.46
